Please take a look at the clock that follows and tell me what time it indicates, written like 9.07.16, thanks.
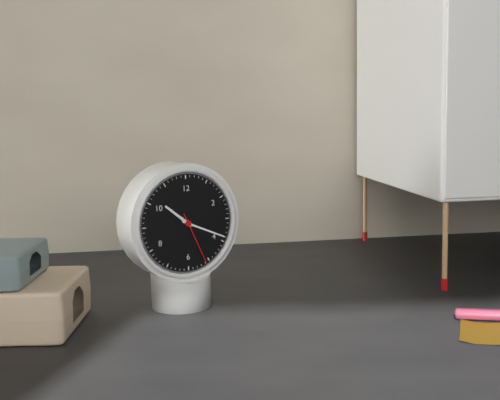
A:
10.19.26
